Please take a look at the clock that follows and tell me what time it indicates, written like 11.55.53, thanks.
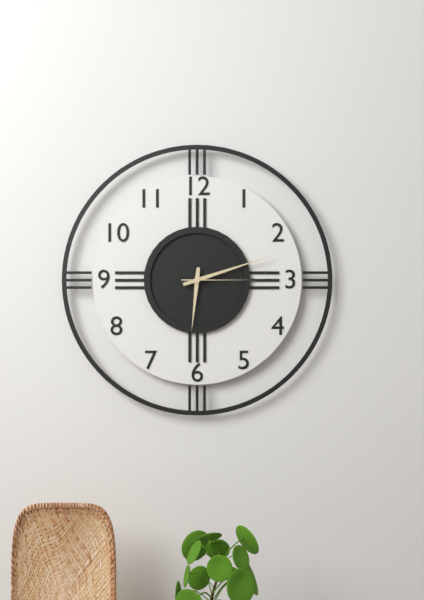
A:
6.12.15
